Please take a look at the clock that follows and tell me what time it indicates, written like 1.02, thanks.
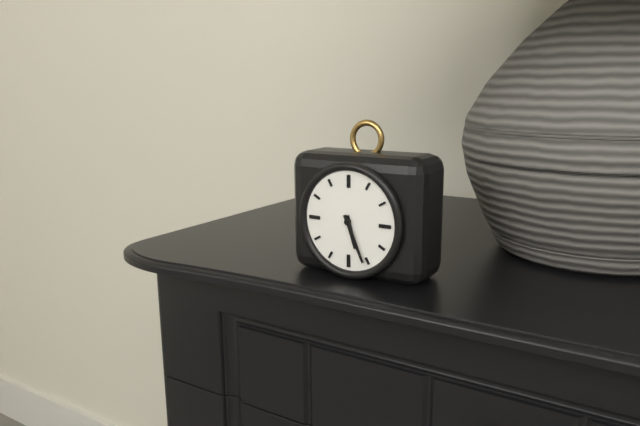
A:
5.26
